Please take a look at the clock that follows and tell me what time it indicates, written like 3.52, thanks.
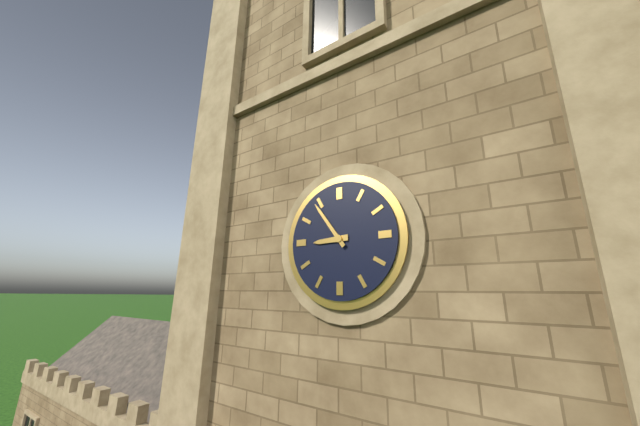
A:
8.54
